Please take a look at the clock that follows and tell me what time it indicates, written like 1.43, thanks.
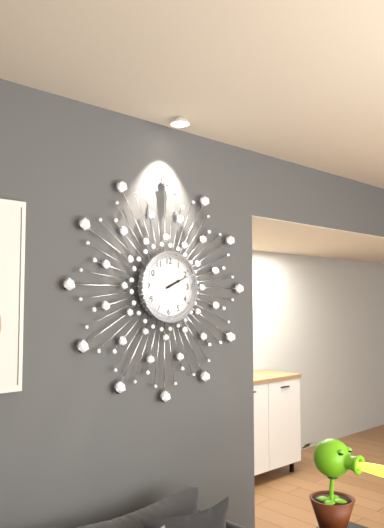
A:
2.11
